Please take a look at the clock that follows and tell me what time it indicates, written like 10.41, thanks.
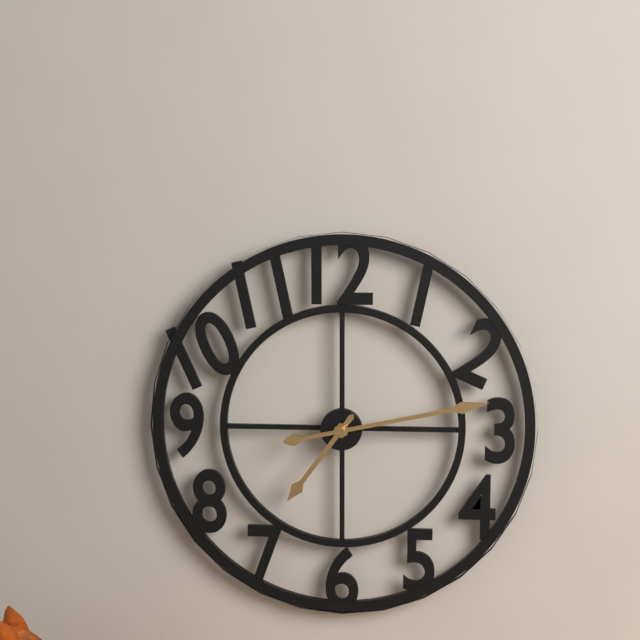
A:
7.13
